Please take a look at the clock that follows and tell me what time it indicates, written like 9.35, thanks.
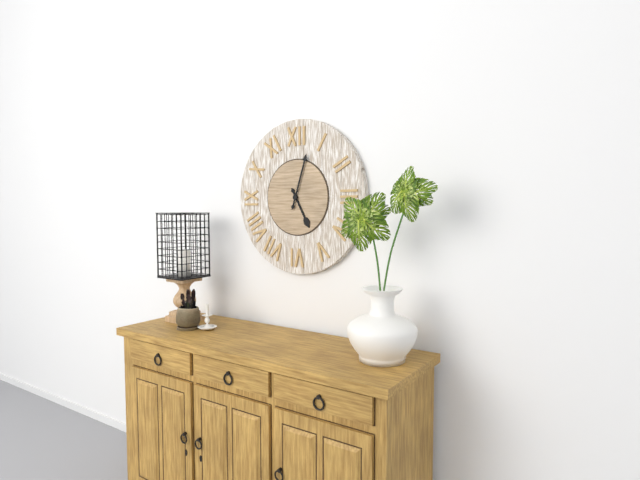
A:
5.03
